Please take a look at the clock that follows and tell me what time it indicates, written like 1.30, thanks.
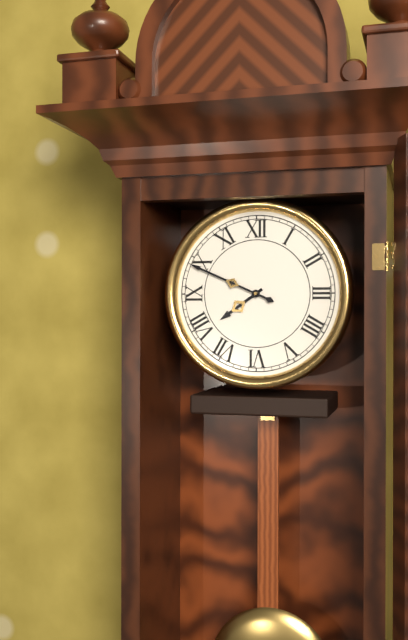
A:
7.49
